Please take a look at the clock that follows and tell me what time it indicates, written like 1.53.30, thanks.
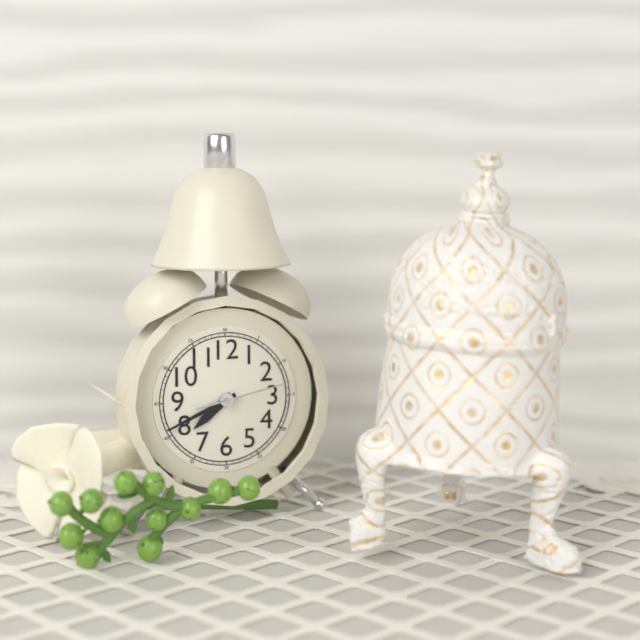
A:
7.41.13
